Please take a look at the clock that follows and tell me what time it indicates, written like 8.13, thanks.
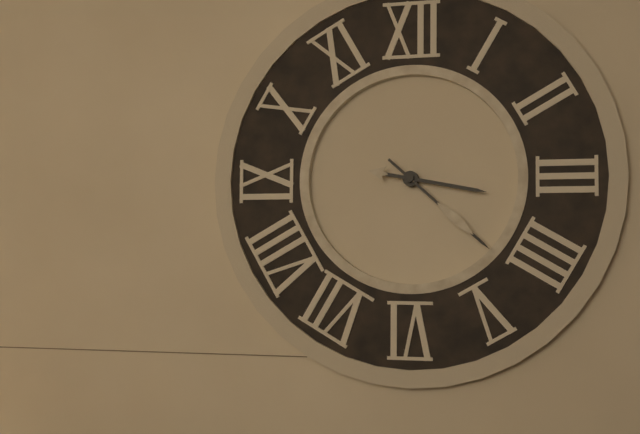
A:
3.22
